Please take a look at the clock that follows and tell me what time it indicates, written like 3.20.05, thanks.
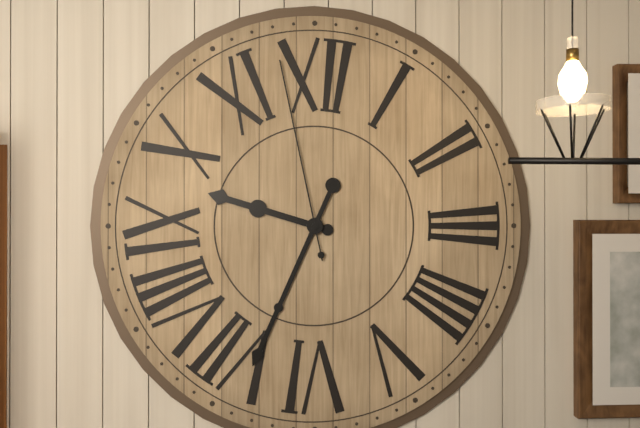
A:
9.34.58
